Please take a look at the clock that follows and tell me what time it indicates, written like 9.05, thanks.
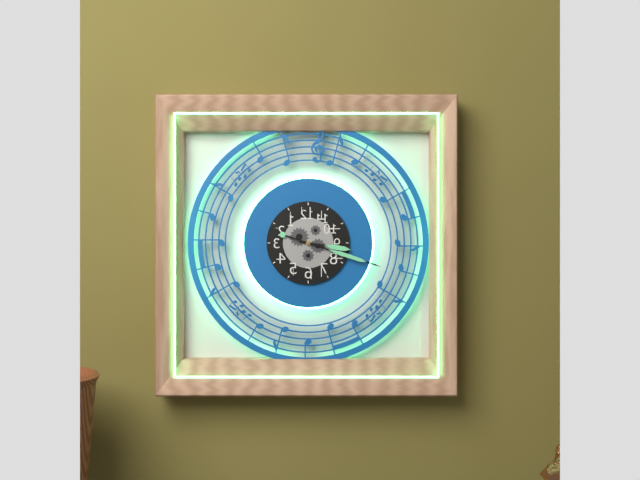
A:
3.18
